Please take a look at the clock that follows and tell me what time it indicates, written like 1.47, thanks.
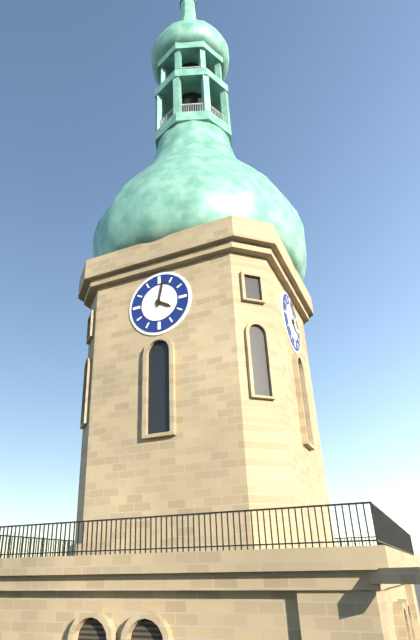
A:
4.02
